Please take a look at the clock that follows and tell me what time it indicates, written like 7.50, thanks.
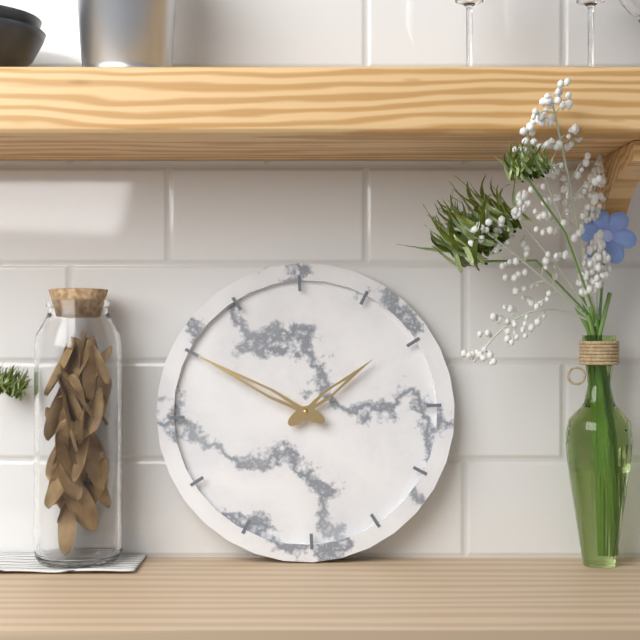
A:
1.50
